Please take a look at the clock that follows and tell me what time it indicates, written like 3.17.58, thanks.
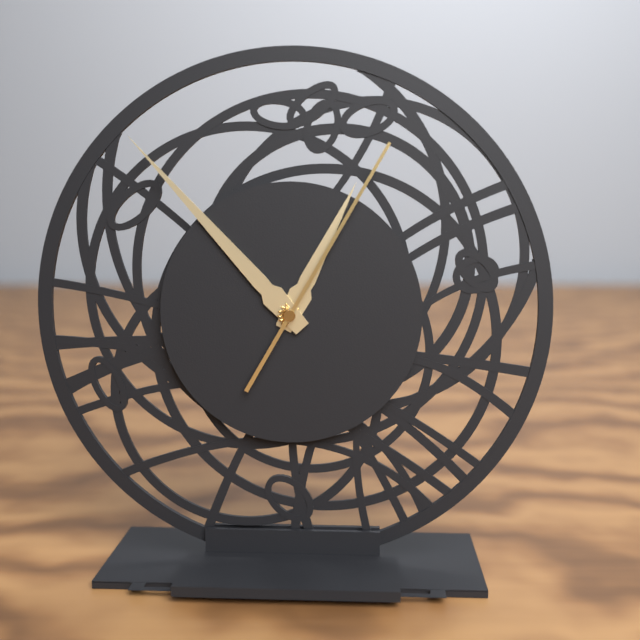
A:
12.53.05
